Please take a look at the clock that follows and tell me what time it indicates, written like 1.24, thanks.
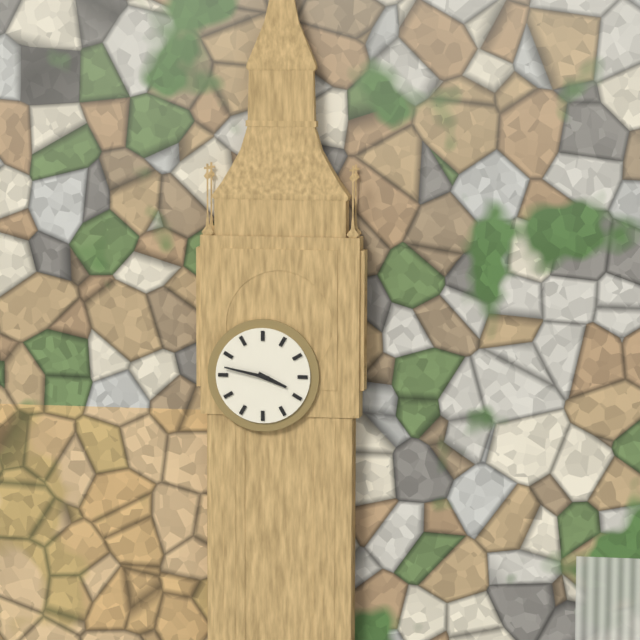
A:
3.47
